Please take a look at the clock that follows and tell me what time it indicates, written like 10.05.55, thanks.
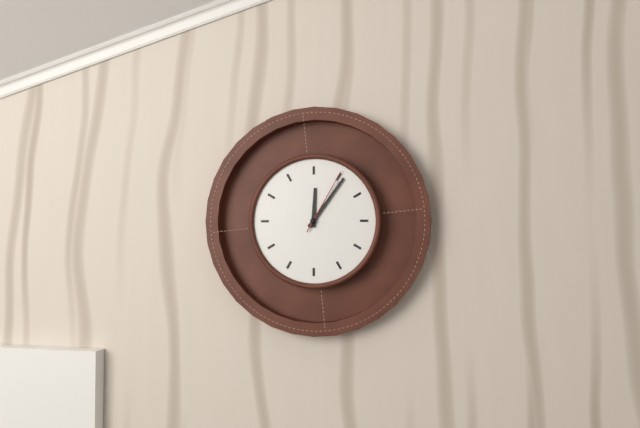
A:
12.06.05
